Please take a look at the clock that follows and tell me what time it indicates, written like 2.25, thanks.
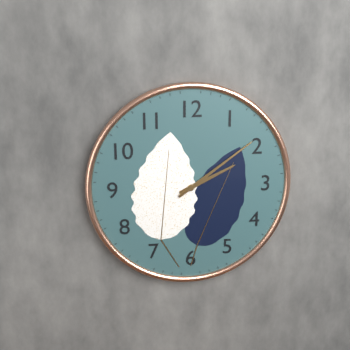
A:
2.09
